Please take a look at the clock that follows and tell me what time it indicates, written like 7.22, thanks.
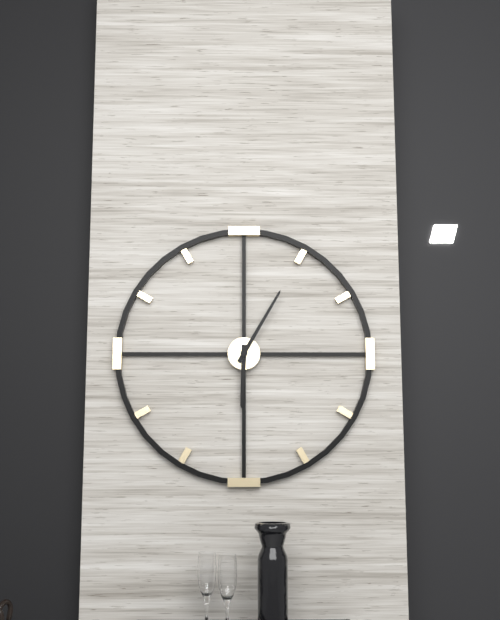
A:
6.05
